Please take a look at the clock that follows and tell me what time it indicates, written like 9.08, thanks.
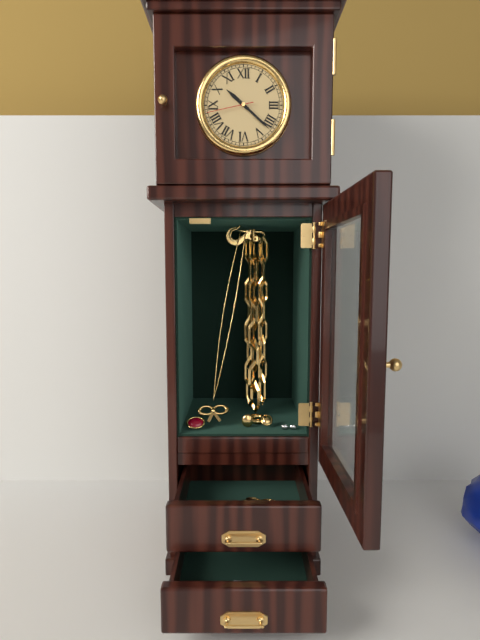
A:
10.22
